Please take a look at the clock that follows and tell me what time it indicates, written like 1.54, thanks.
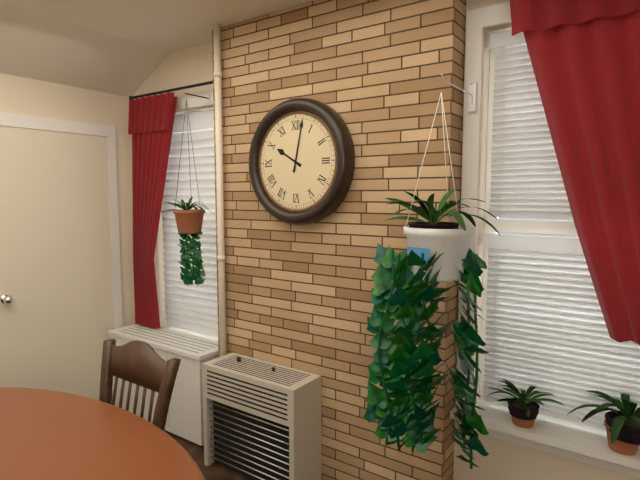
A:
10.02
